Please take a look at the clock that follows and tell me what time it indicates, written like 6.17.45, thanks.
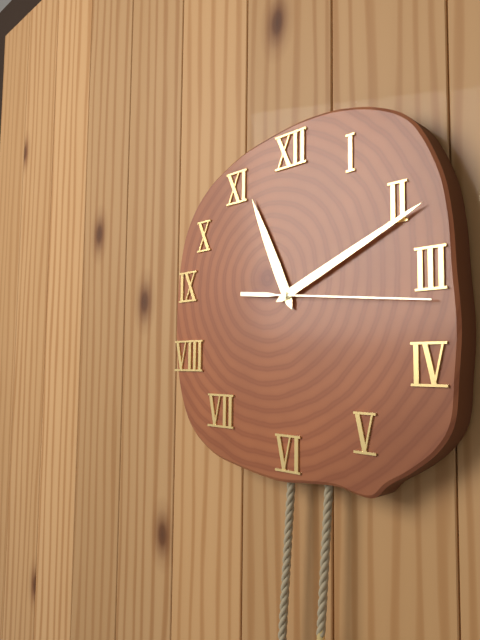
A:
11.11.16
